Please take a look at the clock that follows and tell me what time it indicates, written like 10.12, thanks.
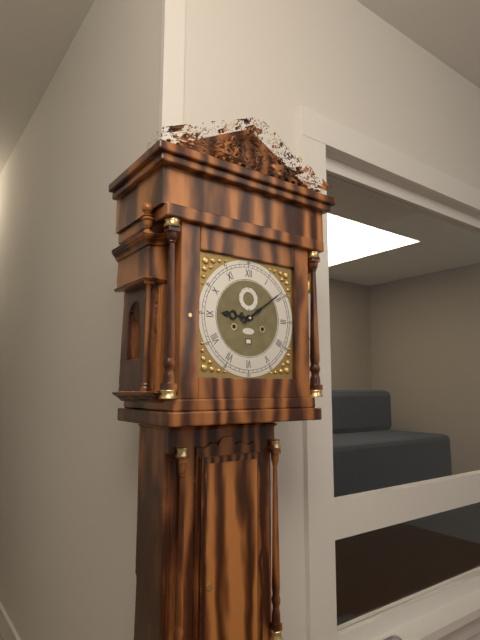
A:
9.09
